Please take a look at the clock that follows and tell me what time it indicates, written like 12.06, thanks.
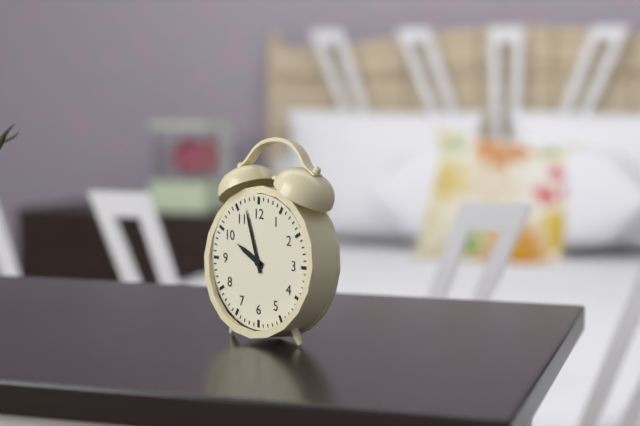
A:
9.57
